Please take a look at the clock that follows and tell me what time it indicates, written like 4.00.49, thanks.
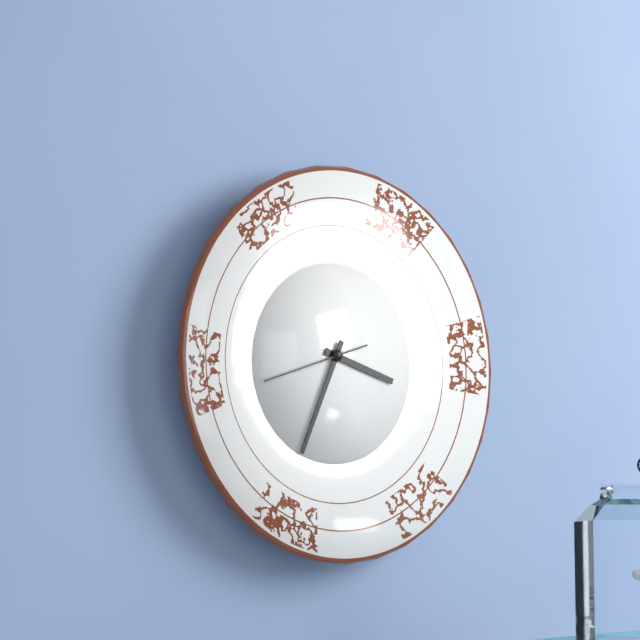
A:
3.34.42
